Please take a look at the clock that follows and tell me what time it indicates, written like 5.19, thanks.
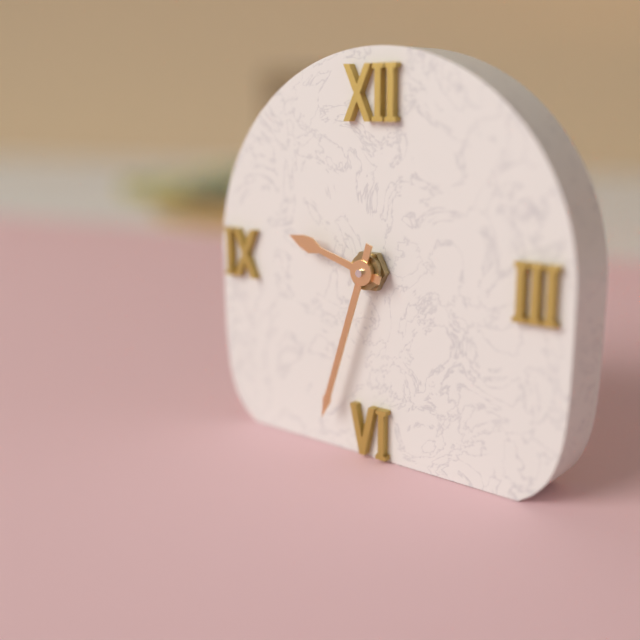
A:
9.33
